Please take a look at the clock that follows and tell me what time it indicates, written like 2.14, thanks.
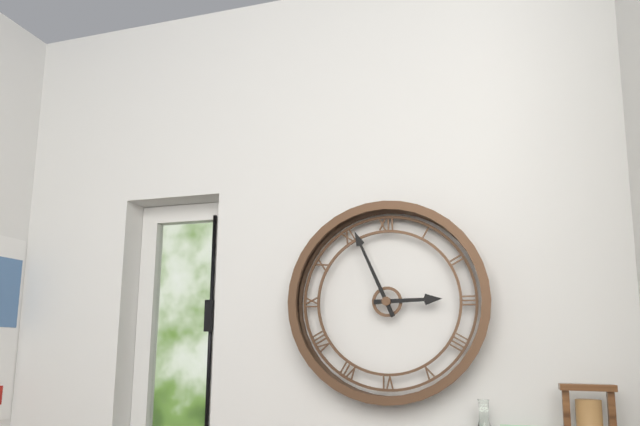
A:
2.56
